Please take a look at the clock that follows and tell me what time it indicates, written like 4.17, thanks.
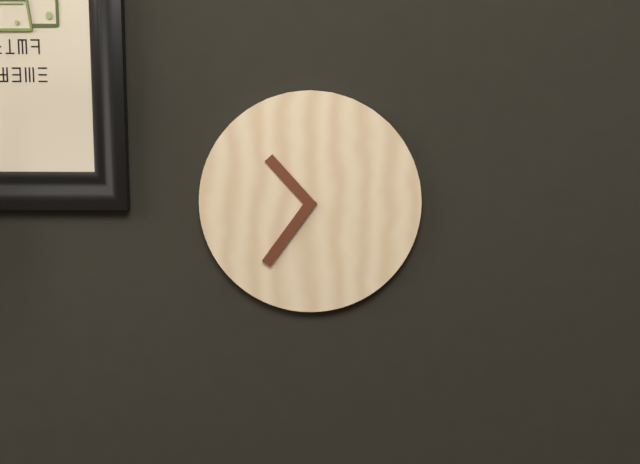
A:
10.36
